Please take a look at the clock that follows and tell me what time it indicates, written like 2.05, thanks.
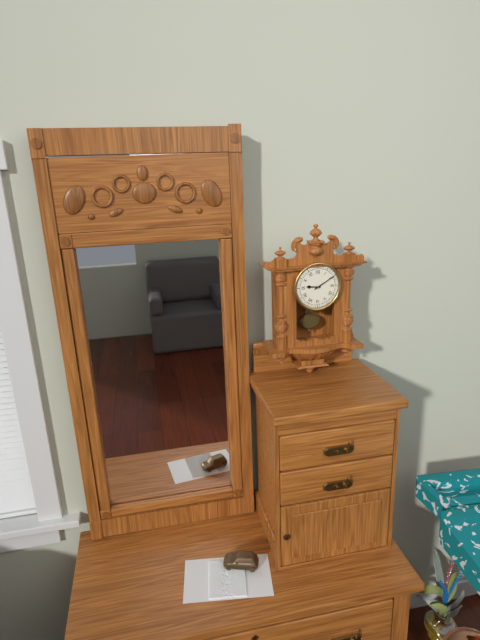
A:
9.10
